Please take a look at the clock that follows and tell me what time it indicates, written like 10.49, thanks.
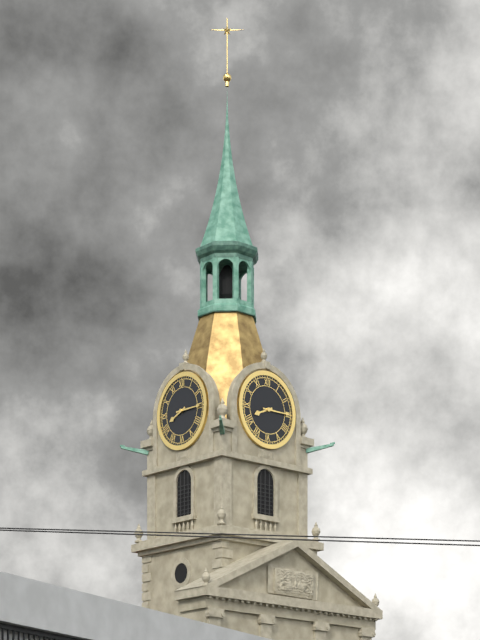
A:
8.15
